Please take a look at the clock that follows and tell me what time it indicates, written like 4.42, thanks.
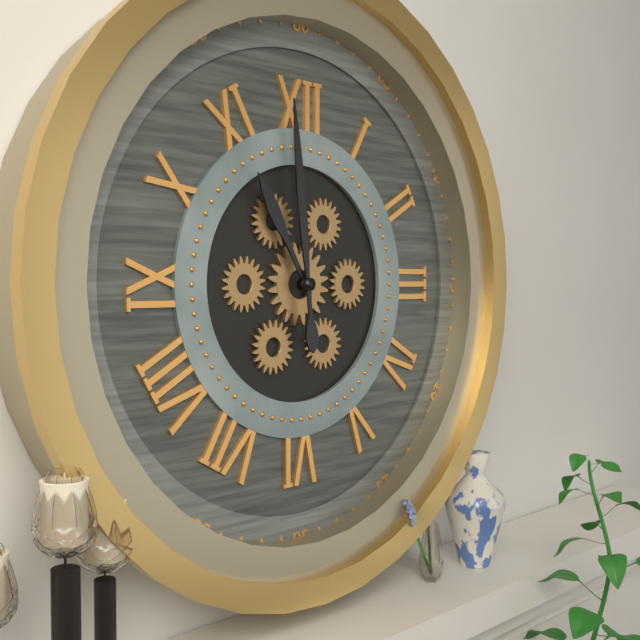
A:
10.59
